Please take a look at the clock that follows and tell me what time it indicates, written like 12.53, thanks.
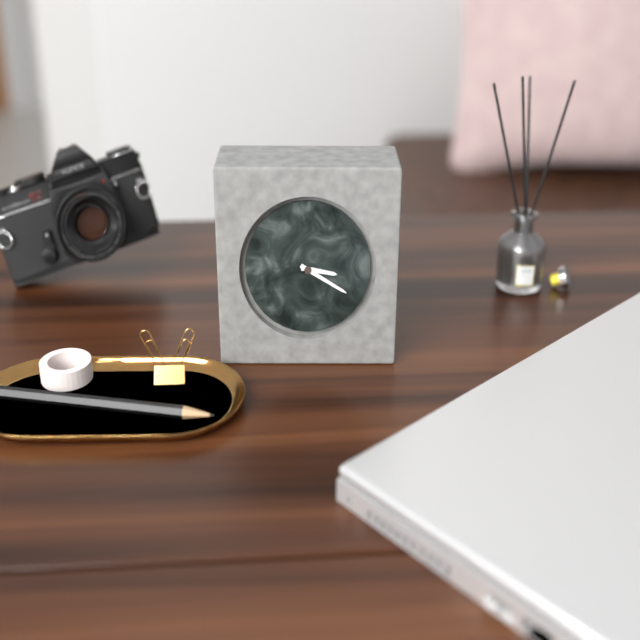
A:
3.20
